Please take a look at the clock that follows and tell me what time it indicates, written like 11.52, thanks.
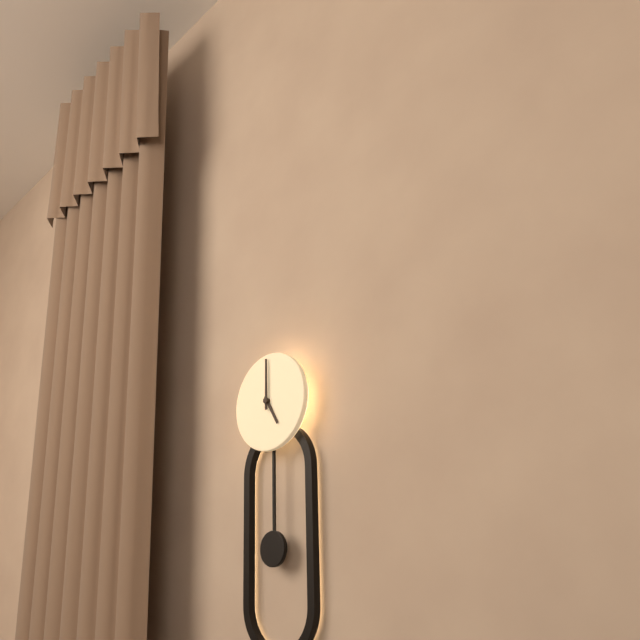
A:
5.00
